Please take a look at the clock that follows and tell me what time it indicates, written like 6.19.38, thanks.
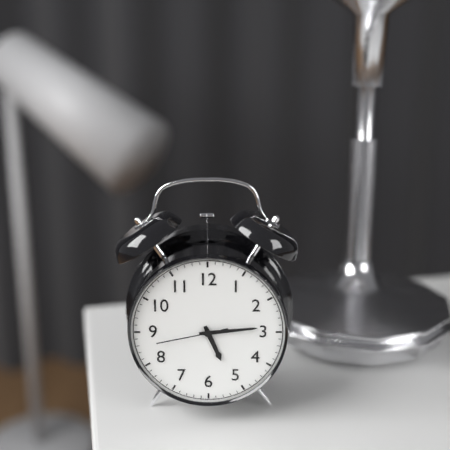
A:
5.14.43
